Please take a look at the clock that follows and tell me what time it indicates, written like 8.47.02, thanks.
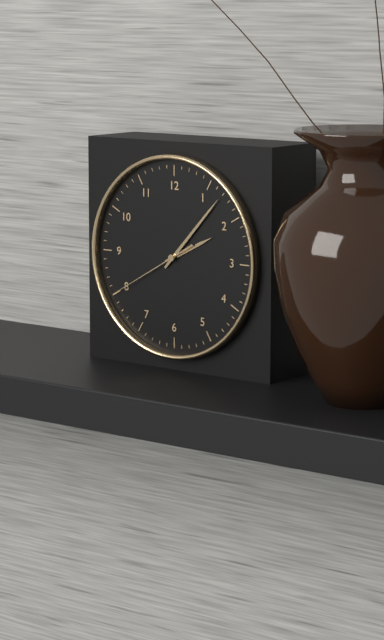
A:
2.07.40
